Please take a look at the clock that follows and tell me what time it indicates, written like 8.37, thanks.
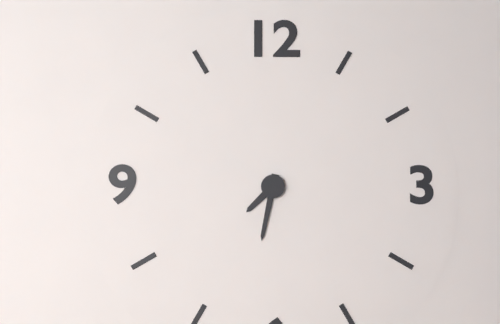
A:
7.32
